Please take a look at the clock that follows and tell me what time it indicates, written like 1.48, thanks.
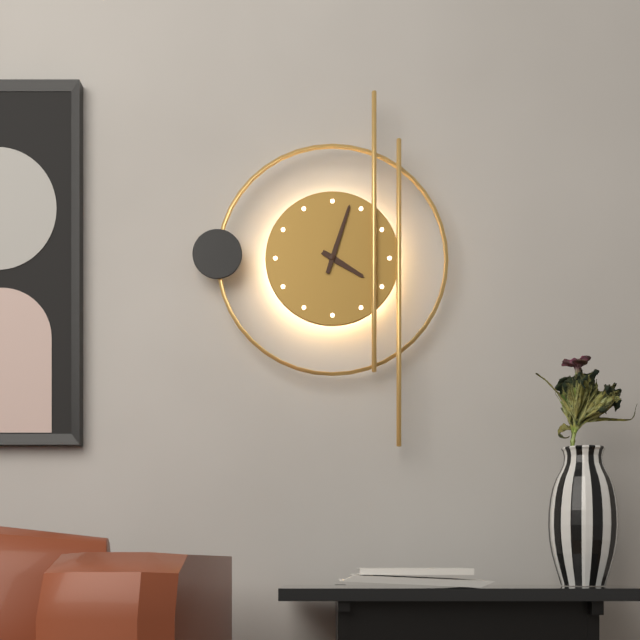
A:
4.03
